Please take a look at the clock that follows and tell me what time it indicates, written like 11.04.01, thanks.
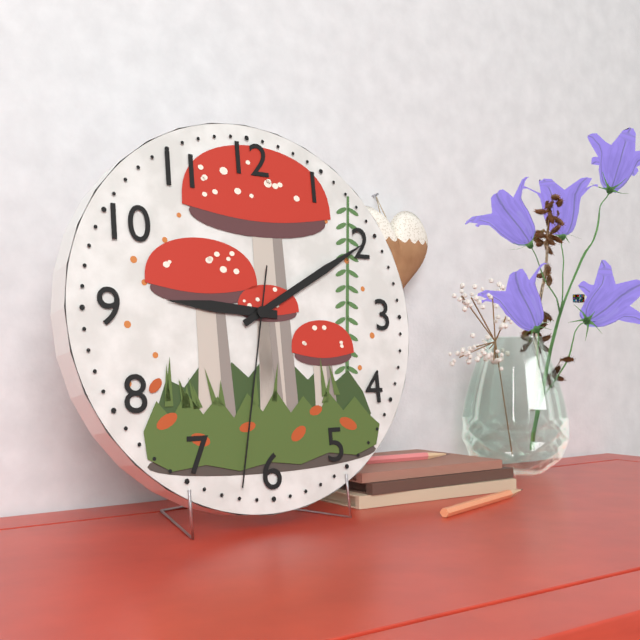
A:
9.10.32
